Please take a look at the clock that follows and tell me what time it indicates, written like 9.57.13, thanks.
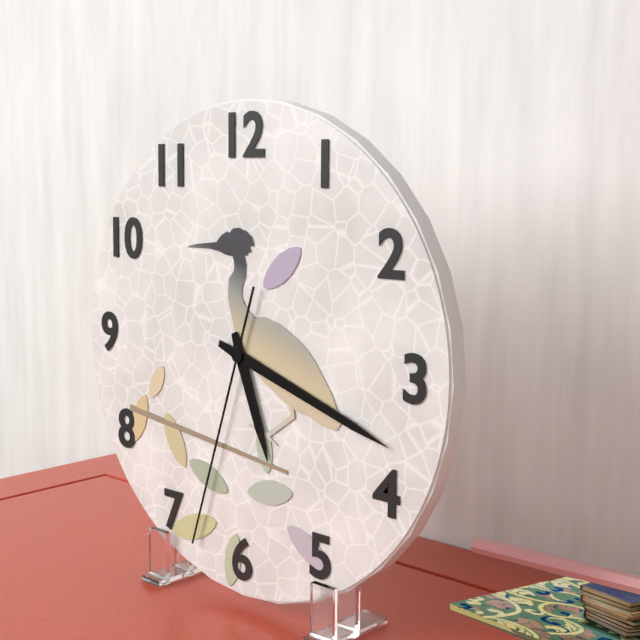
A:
5.18.33
